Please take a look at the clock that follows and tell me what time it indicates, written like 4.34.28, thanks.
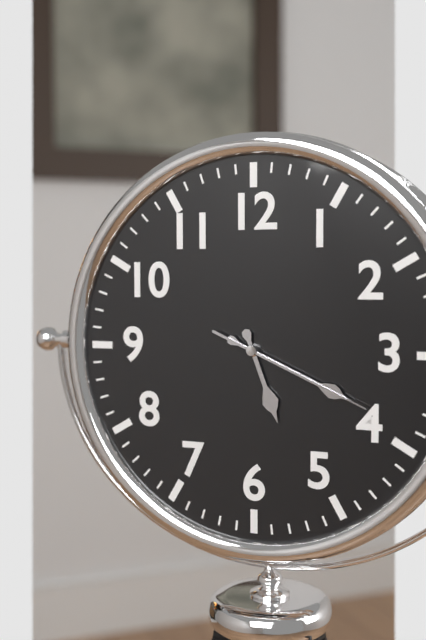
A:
5.19.19
